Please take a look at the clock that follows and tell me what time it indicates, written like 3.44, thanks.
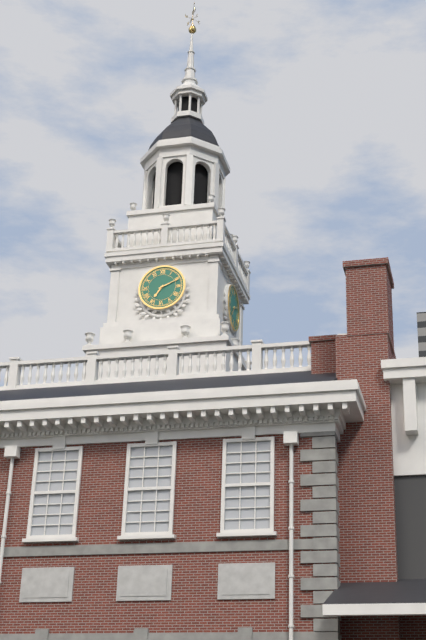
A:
7.11
